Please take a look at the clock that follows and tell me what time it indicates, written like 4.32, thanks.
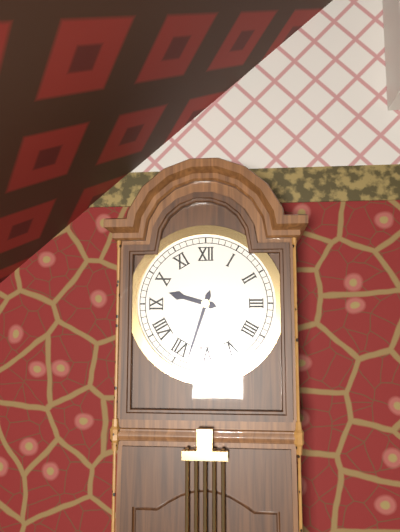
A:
9.33
